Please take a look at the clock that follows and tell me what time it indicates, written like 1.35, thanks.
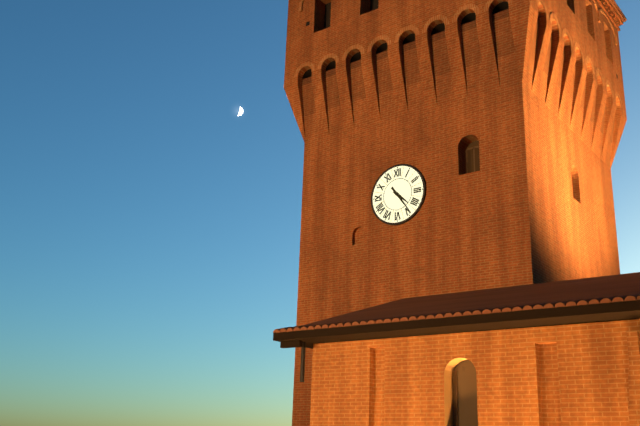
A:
4.24
